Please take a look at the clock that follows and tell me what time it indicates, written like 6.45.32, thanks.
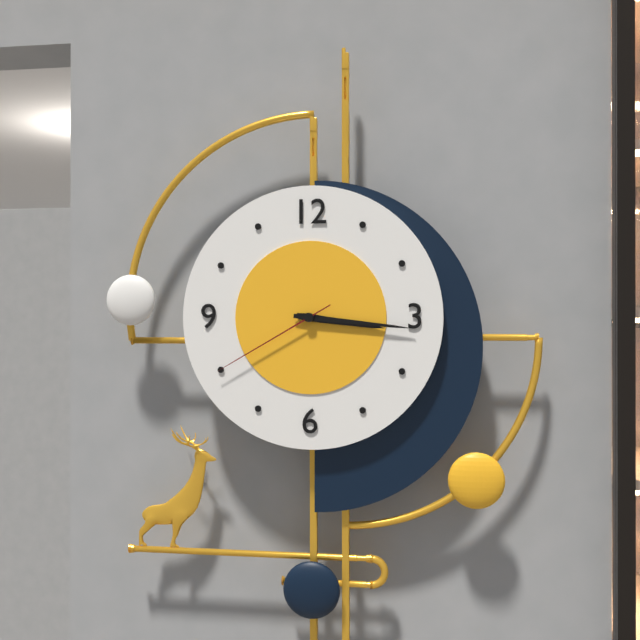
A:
3.16.40
